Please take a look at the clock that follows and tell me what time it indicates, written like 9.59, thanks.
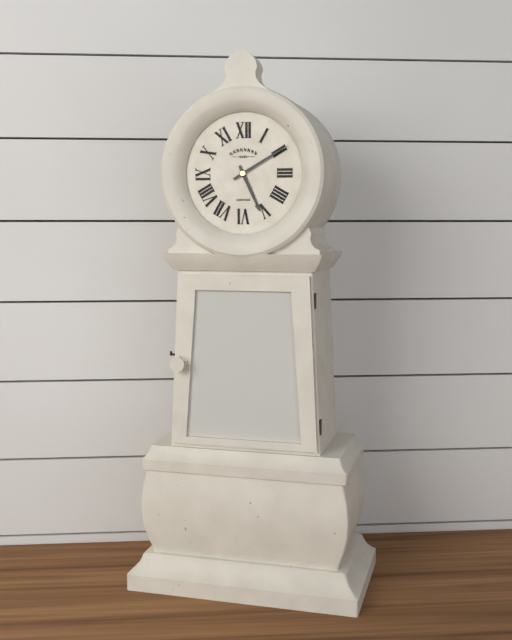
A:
5.10
